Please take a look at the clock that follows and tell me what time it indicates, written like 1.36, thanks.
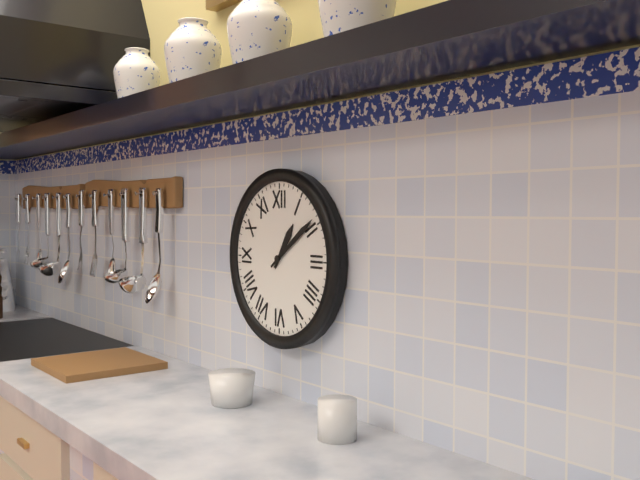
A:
1.09
